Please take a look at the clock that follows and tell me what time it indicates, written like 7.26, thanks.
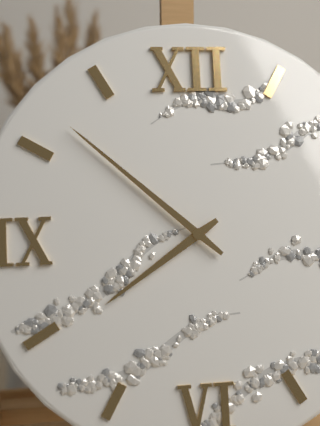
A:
7.52
